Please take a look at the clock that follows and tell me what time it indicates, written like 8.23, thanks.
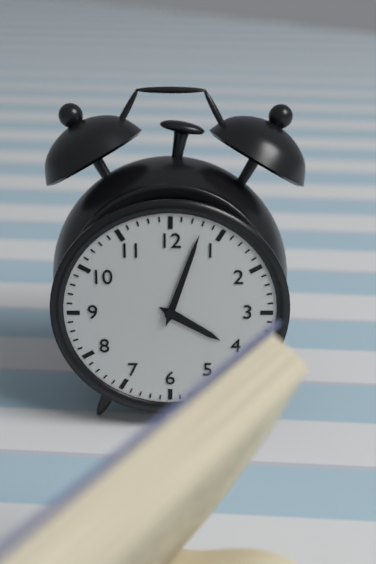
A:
4.03
